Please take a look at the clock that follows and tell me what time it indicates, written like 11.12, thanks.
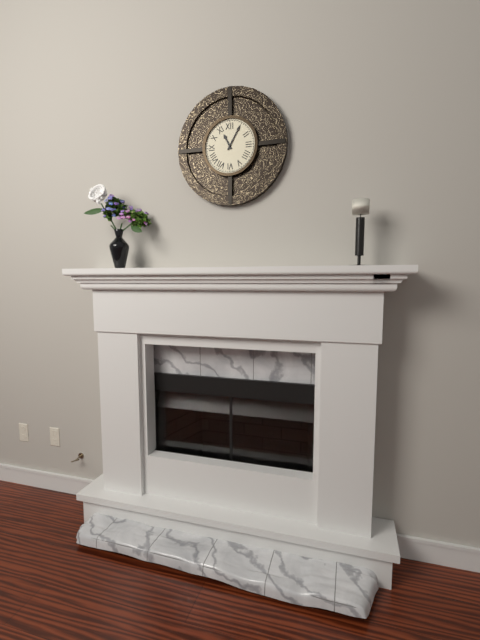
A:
11.05
